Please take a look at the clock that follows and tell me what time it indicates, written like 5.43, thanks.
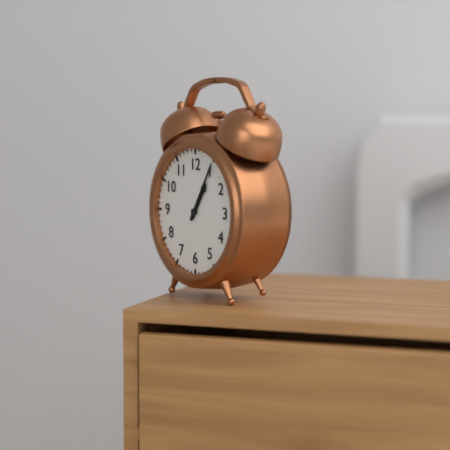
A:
1.05
